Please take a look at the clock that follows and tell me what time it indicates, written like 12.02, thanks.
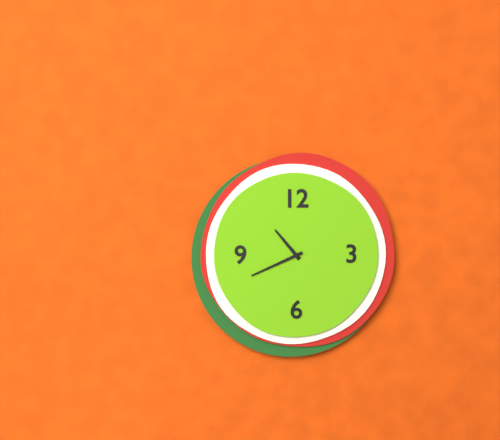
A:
10.41
